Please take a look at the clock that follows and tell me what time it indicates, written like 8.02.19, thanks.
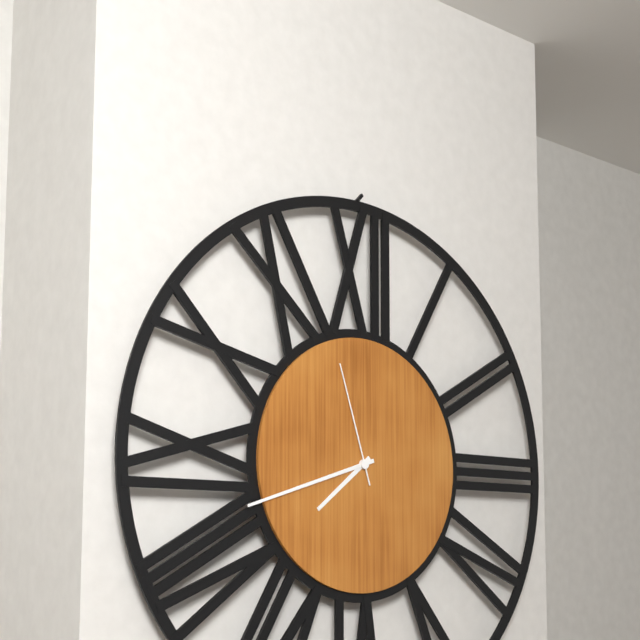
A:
7.42.57
